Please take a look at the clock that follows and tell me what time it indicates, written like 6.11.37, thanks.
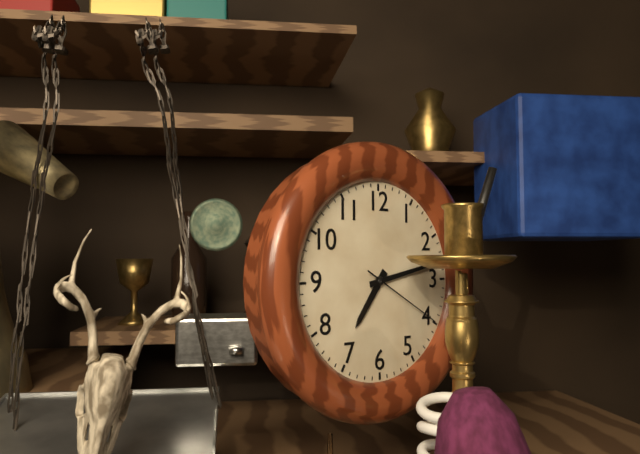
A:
7.13.20
